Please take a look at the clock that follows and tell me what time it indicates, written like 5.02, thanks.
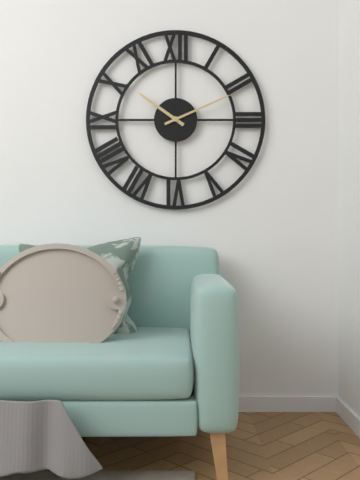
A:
10.11
